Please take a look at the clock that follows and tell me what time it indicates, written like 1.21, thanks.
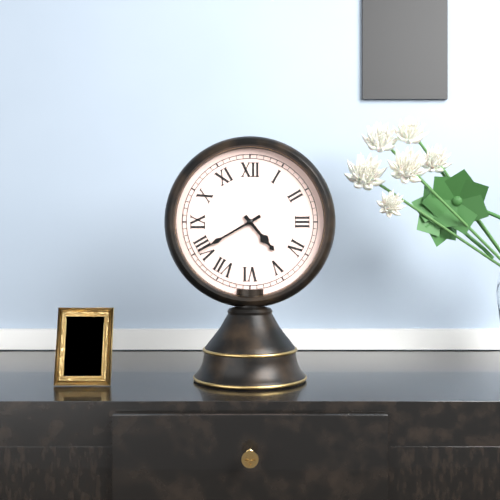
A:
4.40
